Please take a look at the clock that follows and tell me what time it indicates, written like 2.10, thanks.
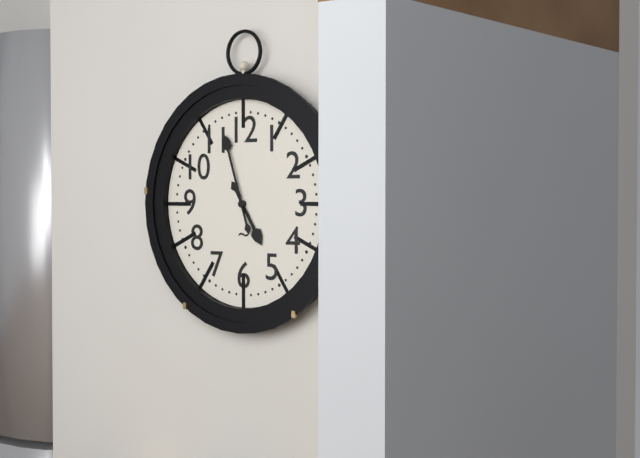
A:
4.57
